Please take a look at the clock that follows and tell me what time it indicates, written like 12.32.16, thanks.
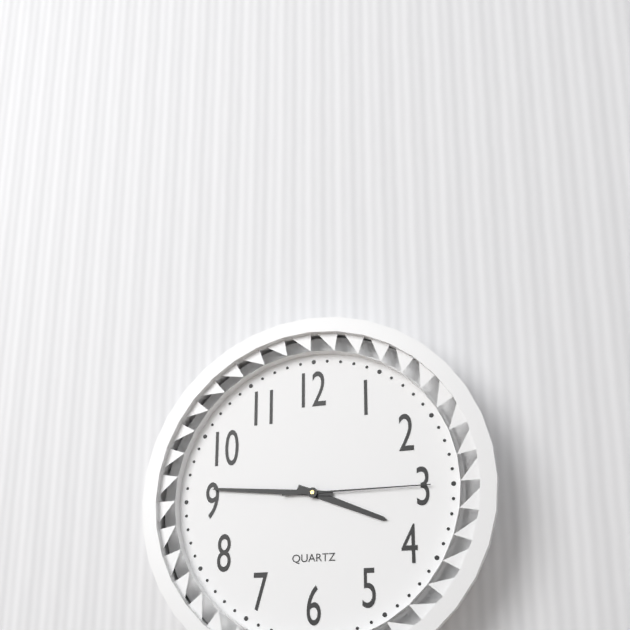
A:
3.46.15
